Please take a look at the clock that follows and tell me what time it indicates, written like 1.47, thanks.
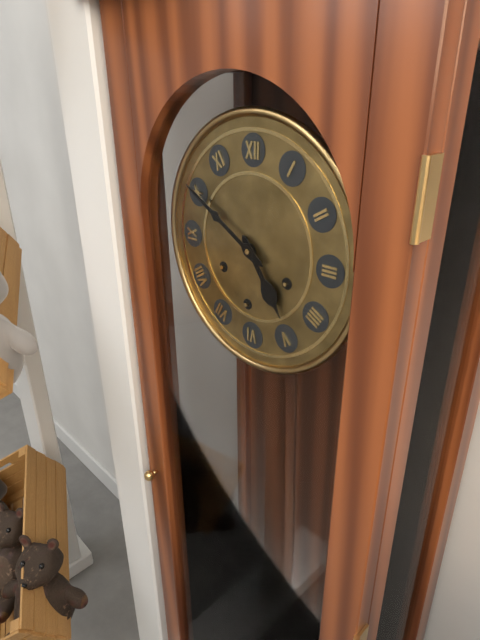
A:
4.50
